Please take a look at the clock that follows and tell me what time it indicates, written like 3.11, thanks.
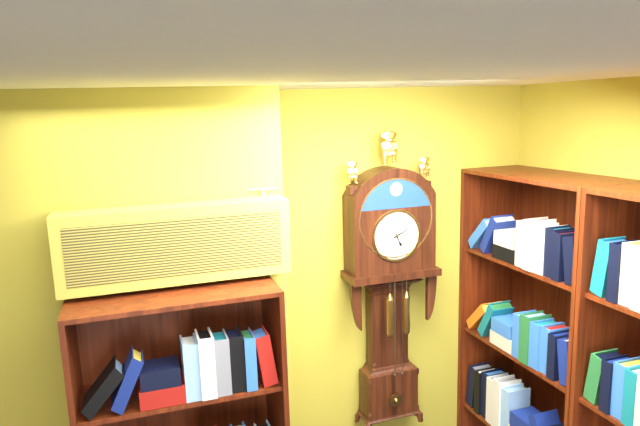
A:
5.11
